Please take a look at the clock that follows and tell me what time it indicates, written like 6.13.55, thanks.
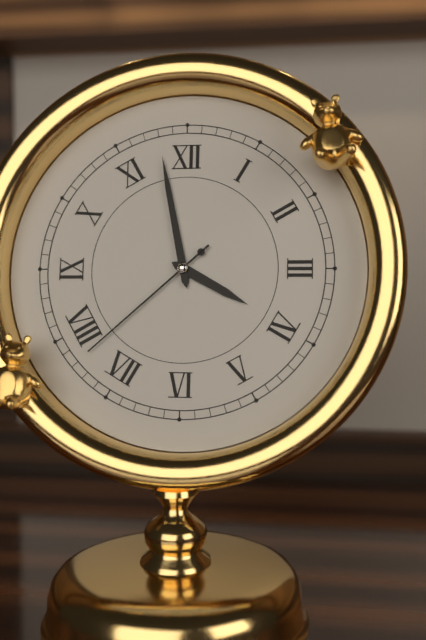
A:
3.58.38
